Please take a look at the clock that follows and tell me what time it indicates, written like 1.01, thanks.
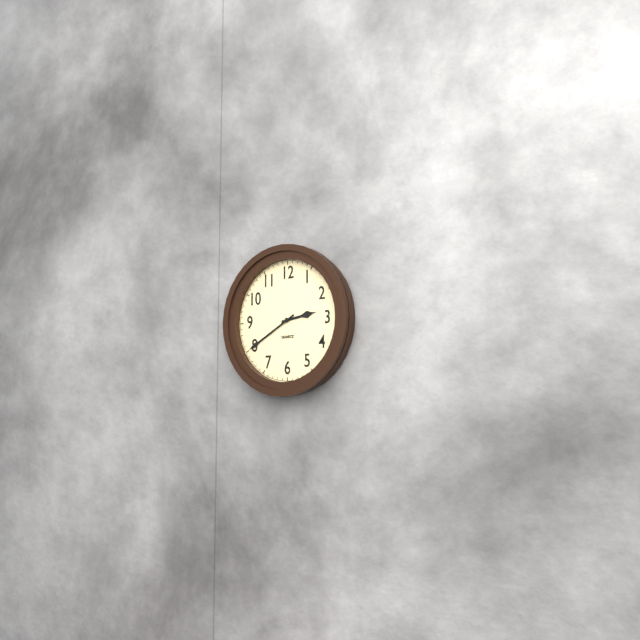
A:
2.40
